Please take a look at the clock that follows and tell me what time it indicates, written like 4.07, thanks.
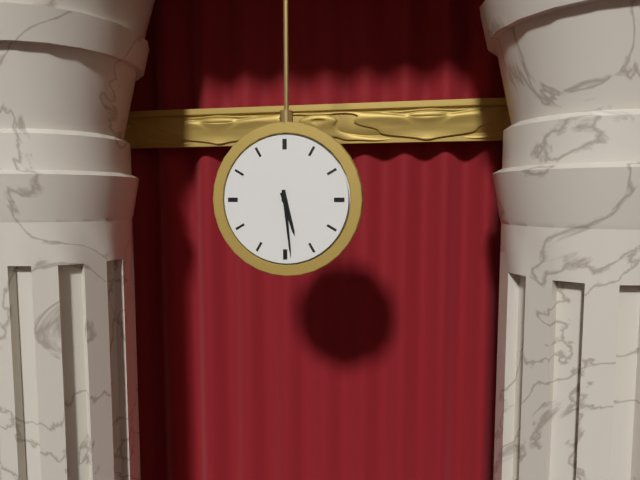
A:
5.29
